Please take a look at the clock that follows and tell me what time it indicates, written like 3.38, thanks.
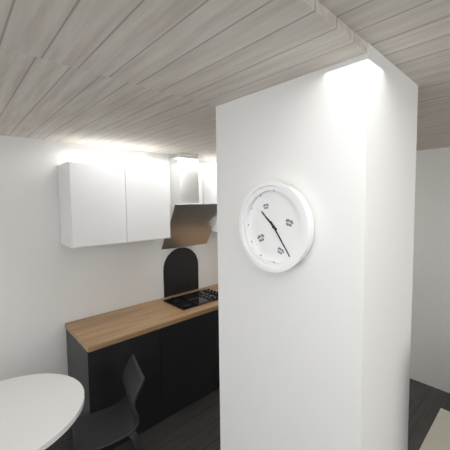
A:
10.24
